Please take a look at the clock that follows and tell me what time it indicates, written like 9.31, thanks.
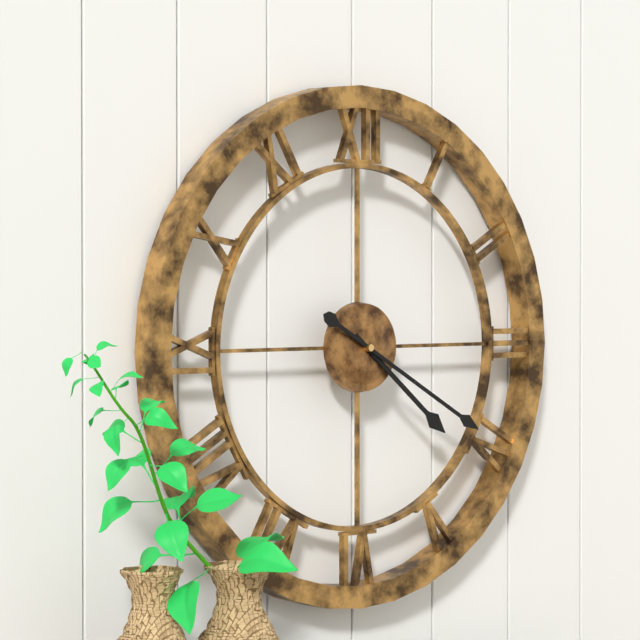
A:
4.20
